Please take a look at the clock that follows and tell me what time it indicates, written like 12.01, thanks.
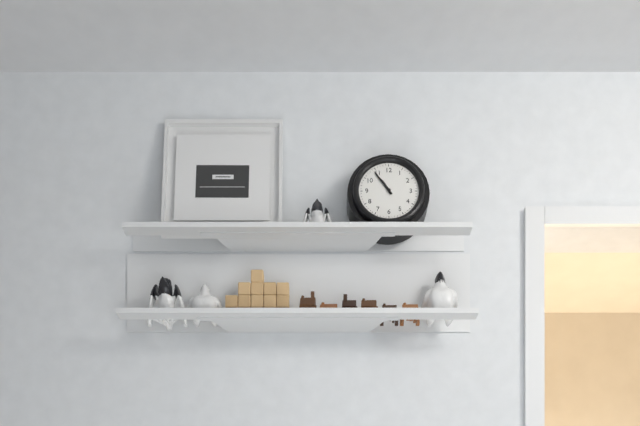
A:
10.54
